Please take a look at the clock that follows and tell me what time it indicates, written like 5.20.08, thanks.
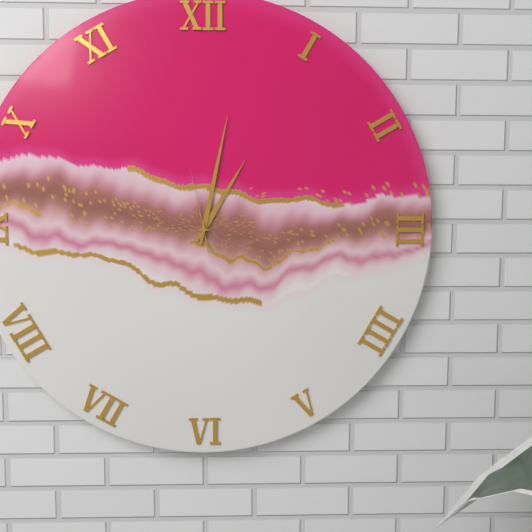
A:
1.02.58
